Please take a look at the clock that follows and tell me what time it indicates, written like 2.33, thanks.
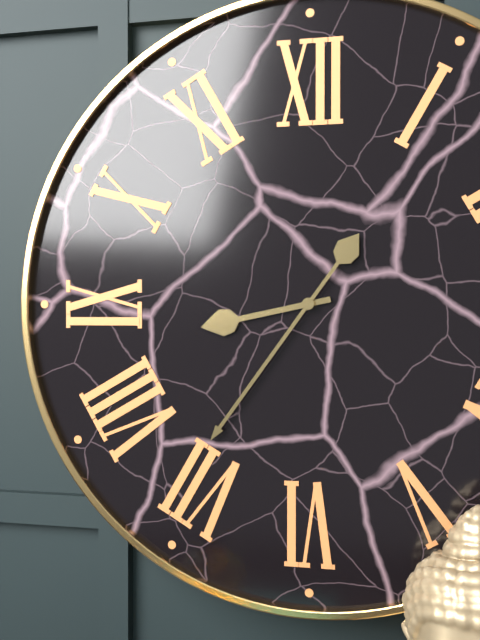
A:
8.36
